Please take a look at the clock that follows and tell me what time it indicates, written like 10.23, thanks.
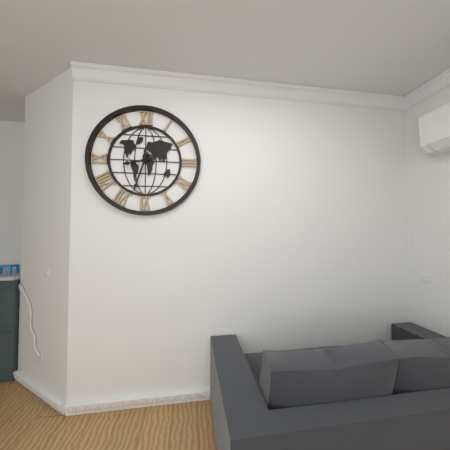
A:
8.33
